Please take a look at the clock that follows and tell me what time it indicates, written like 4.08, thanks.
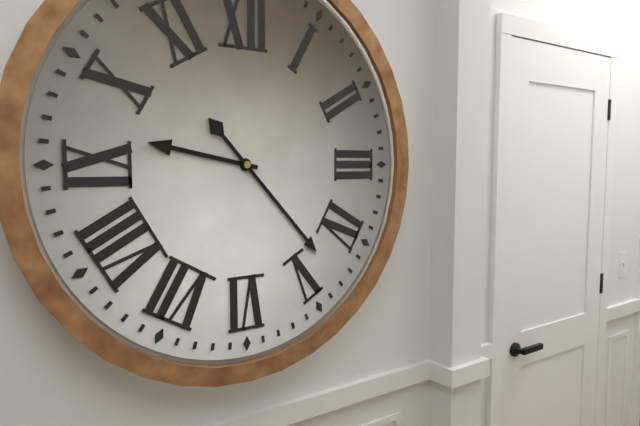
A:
9.23
